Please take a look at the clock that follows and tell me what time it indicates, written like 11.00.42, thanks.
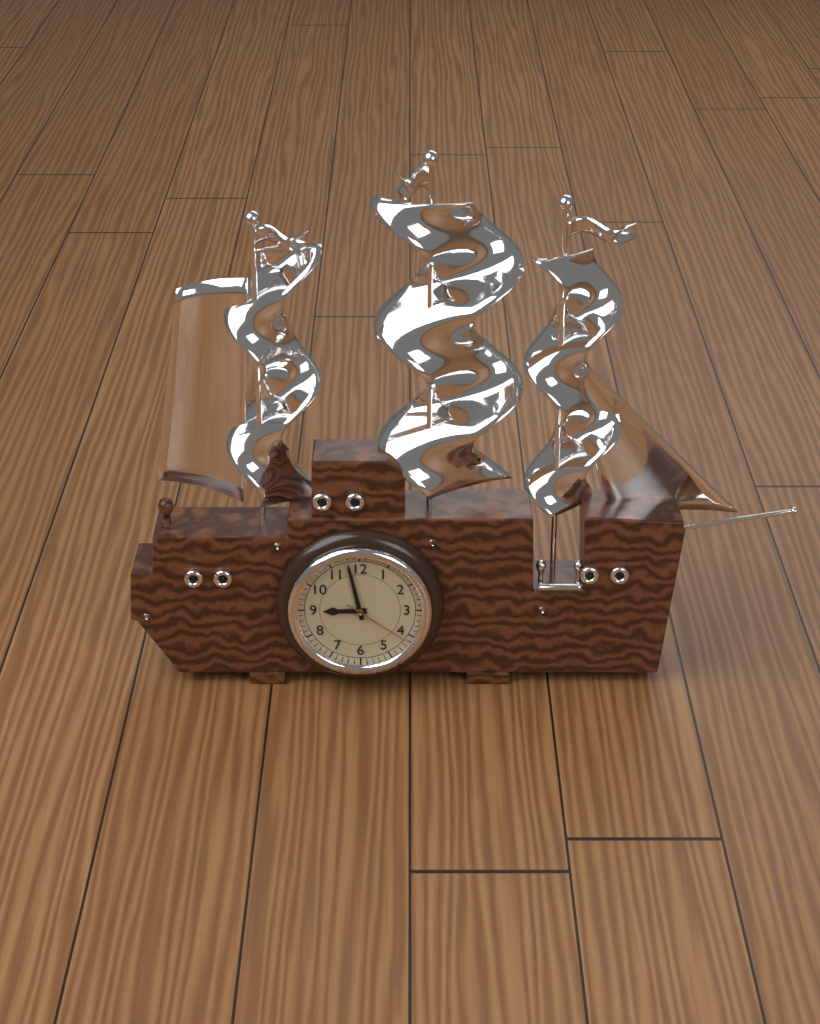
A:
8.58.21
